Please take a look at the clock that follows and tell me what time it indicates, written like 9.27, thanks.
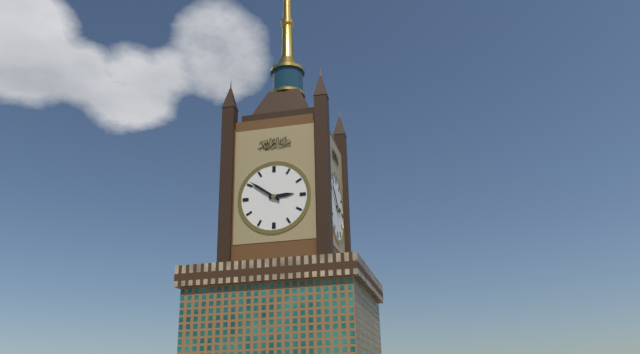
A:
2.51
